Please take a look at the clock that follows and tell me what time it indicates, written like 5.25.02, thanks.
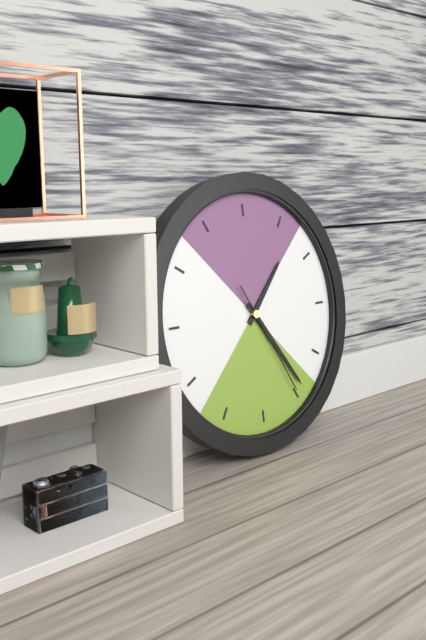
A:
1.24.25
